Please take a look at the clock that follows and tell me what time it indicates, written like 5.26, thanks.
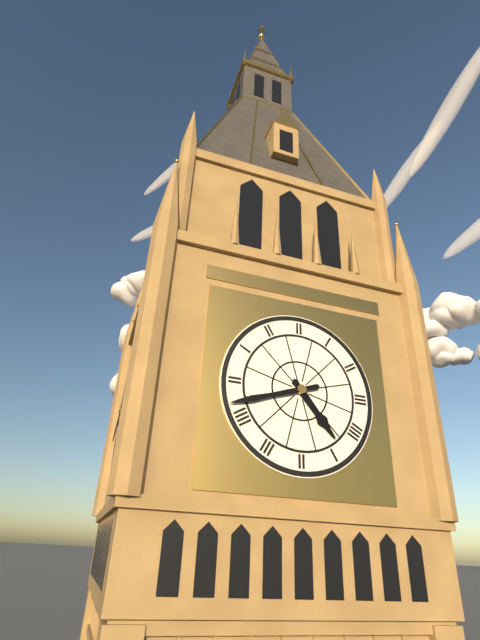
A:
4.42
